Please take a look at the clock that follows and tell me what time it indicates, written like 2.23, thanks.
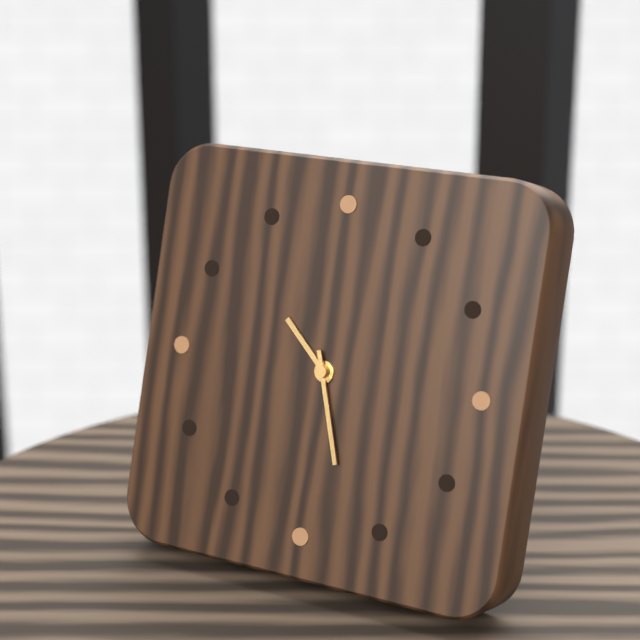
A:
10.27
